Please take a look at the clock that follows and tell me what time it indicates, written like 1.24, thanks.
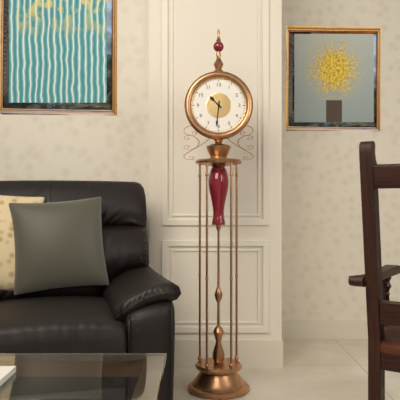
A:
10.31
